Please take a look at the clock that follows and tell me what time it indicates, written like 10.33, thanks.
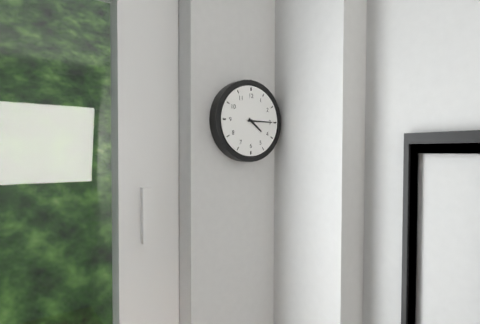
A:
4.15
